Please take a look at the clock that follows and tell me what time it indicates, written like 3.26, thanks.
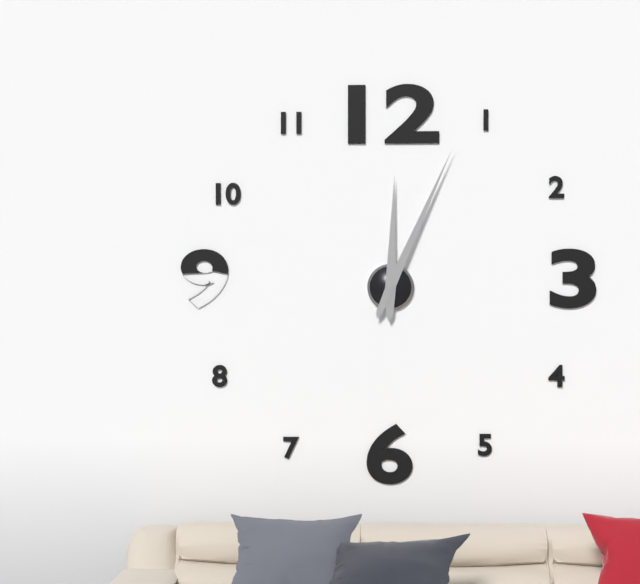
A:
12.04
